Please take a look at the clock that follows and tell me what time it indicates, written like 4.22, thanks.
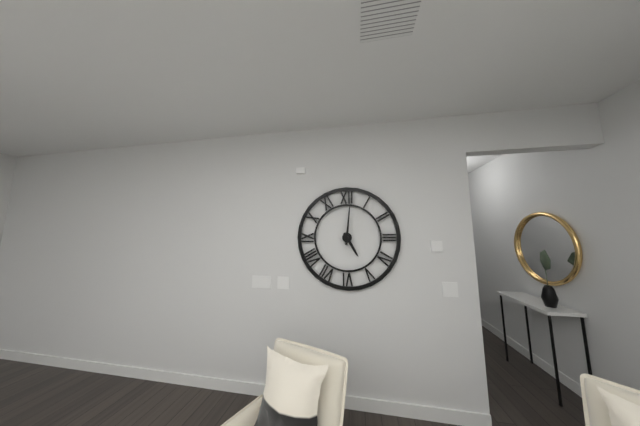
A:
5.01
